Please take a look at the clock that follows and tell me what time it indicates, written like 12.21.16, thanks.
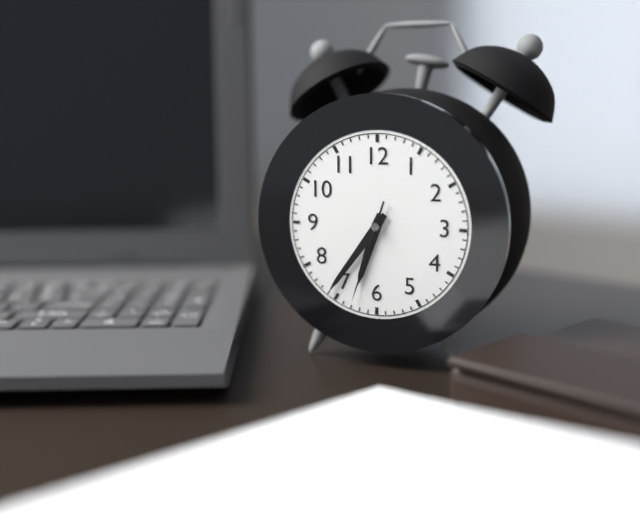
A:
6.36.33
